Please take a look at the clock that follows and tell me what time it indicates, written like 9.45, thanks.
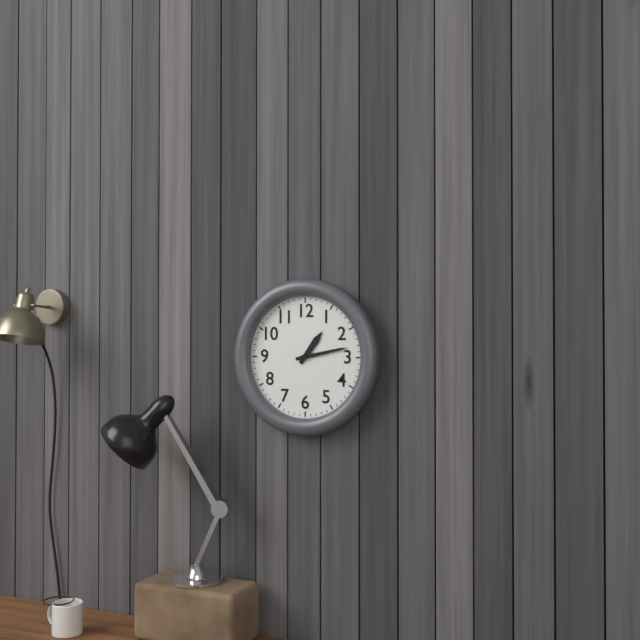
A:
1.13
